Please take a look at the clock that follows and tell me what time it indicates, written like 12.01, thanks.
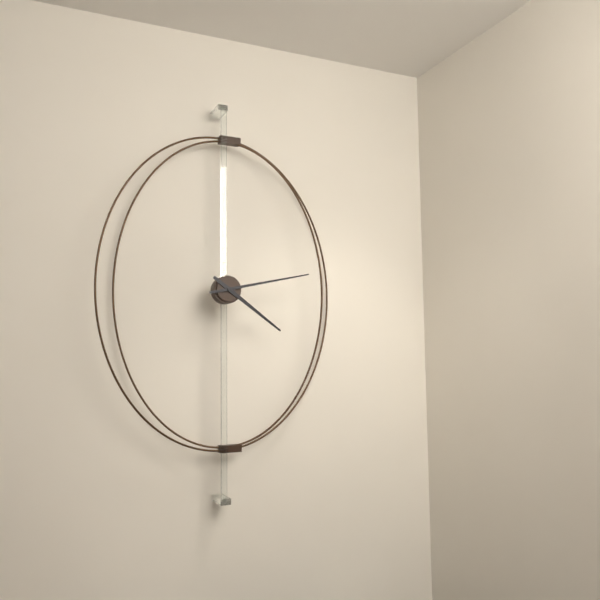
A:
4.13
